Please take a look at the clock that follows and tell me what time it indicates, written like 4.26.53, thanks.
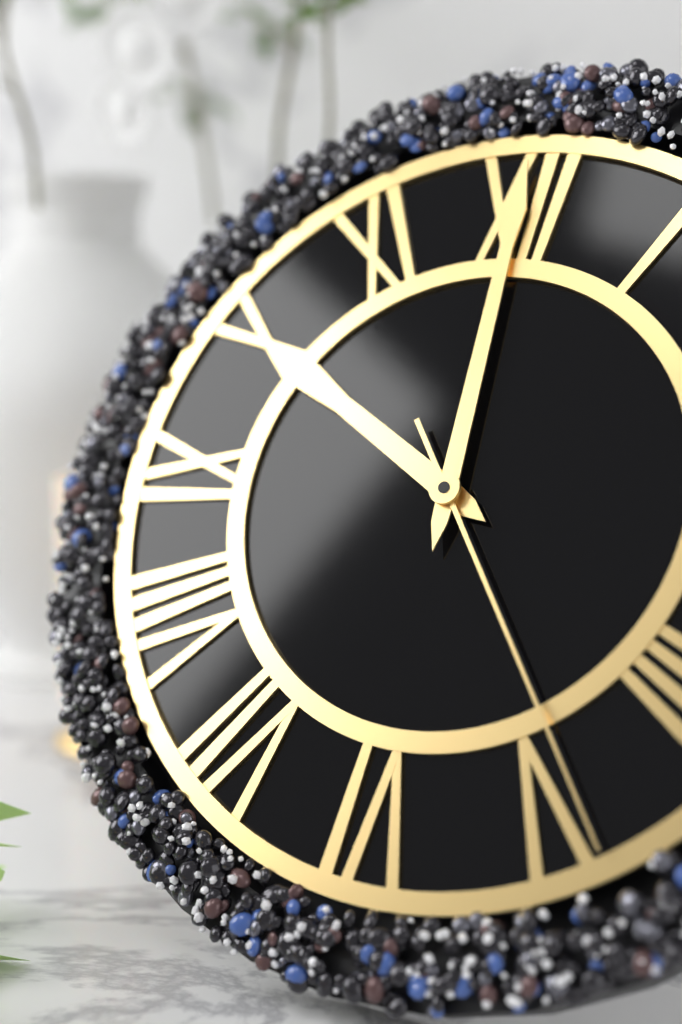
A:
10.00.24
